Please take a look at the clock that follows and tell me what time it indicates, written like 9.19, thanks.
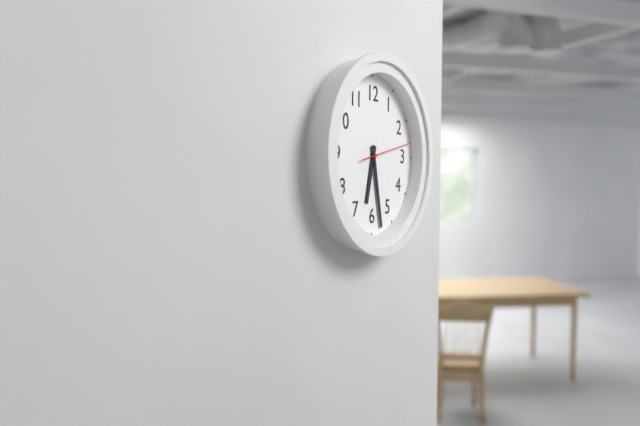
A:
6.28
